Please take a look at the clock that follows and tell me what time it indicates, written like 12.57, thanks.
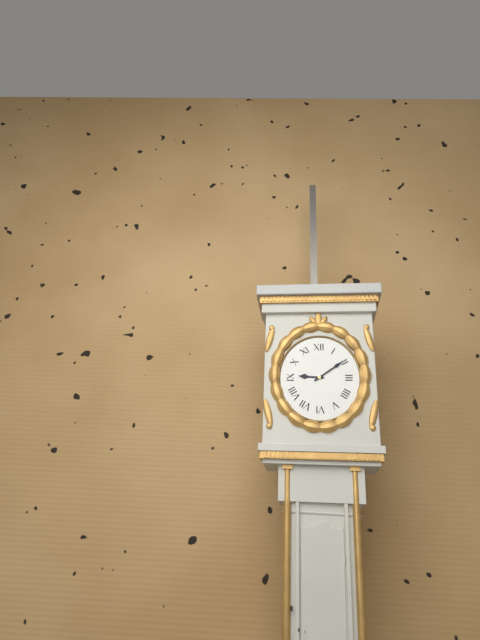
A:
9.09
